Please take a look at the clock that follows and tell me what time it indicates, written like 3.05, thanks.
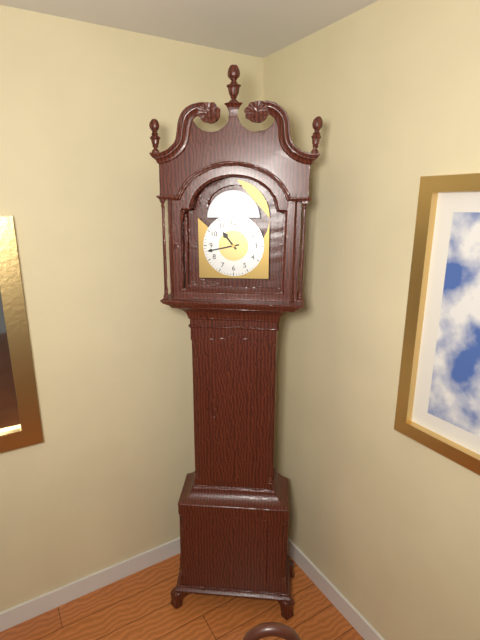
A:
10.43
